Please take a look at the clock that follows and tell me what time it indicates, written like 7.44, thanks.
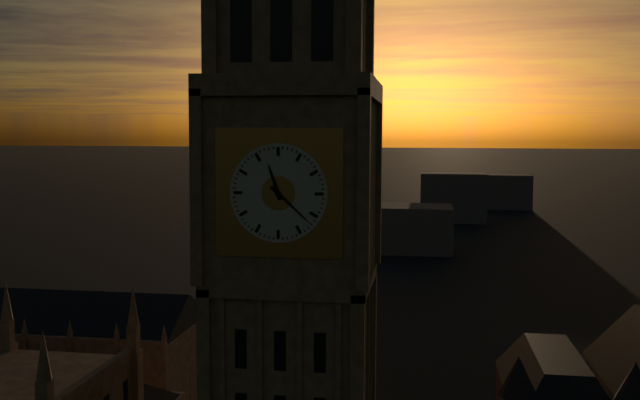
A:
11.22
